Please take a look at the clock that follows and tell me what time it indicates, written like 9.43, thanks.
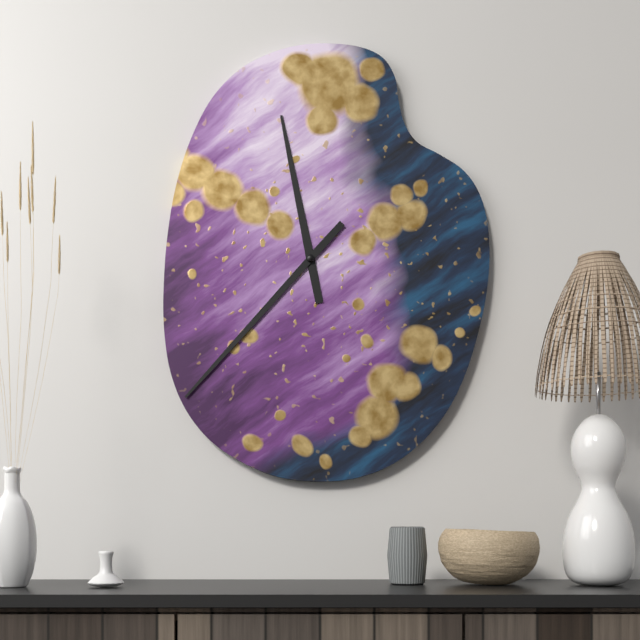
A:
11.37
